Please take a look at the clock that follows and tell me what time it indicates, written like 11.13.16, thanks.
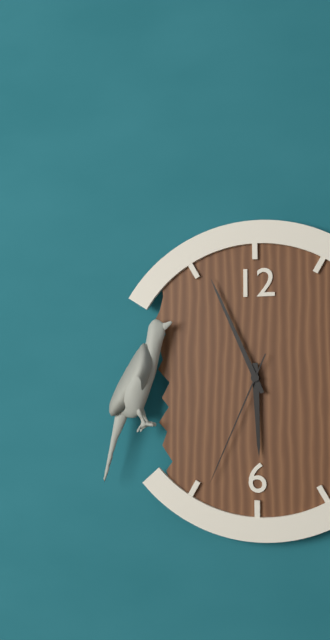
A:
5.56.34
